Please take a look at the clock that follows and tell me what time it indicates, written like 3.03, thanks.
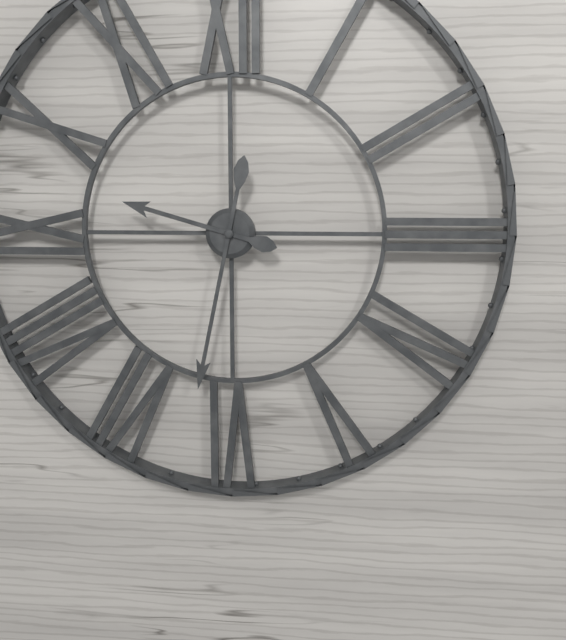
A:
9.32
